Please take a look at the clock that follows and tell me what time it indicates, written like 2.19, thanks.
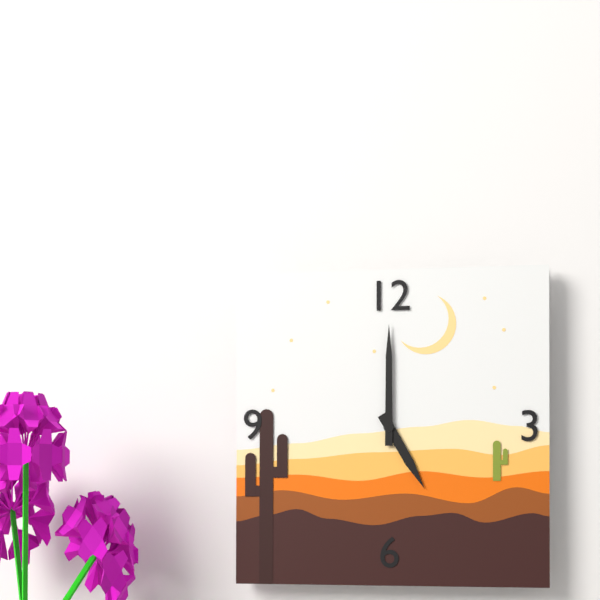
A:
5.00
